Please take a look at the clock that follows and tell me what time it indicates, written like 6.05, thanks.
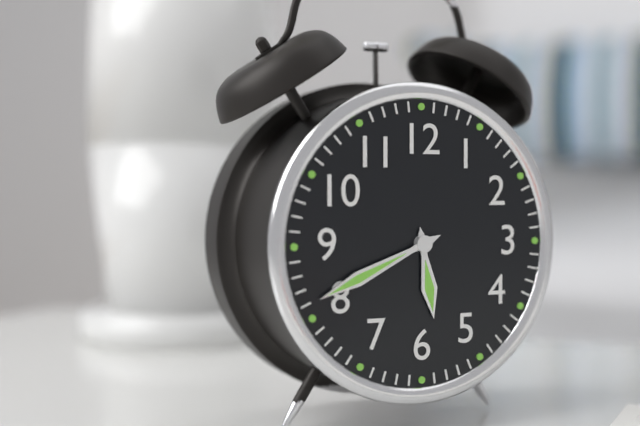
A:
5.41
